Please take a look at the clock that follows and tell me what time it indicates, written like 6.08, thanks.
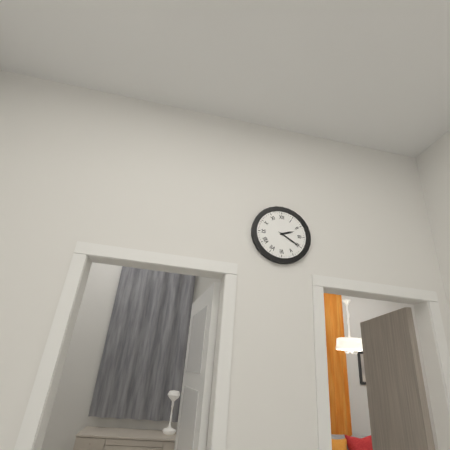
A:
2.20
